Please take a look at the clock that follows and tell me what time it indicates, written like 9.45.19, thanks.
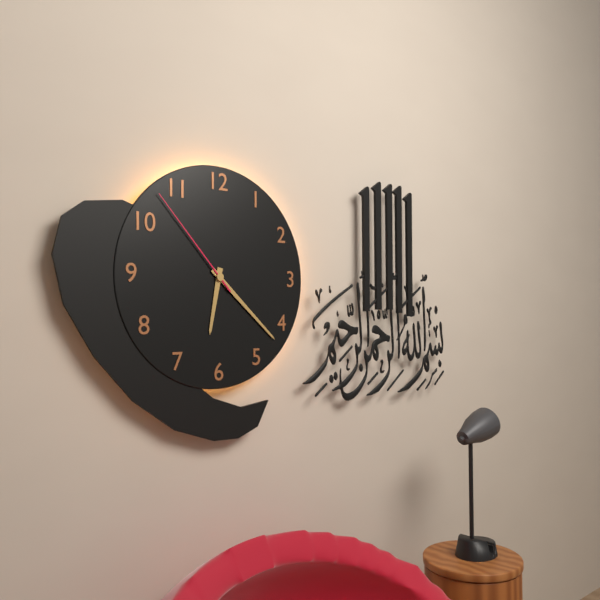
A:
6.22.53
